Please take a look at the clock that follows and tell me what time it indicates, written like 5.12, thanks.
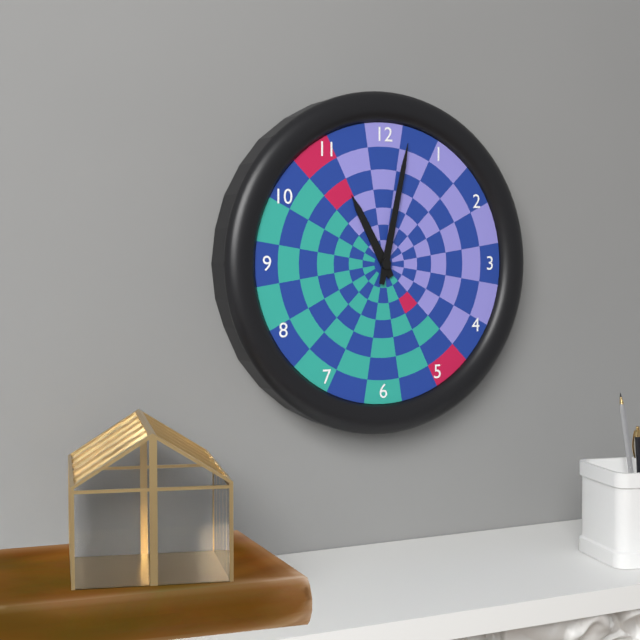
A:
11.02
